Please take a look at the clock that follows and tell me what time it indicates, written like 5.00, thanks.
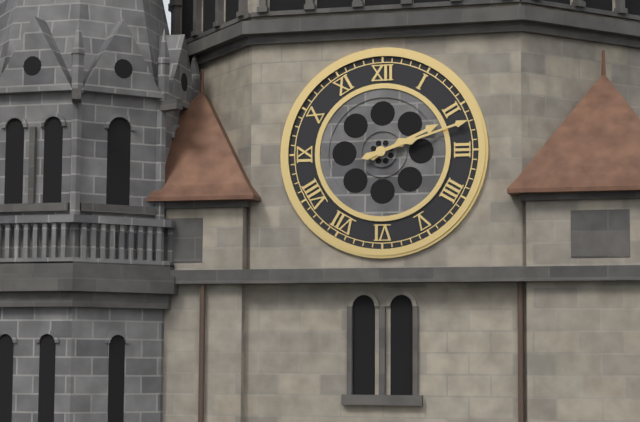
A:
2.12
